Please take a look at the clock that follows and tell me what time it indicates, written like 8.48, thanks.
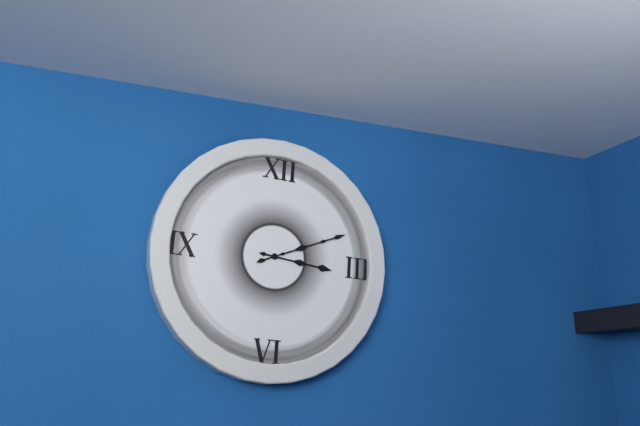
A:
3.11
